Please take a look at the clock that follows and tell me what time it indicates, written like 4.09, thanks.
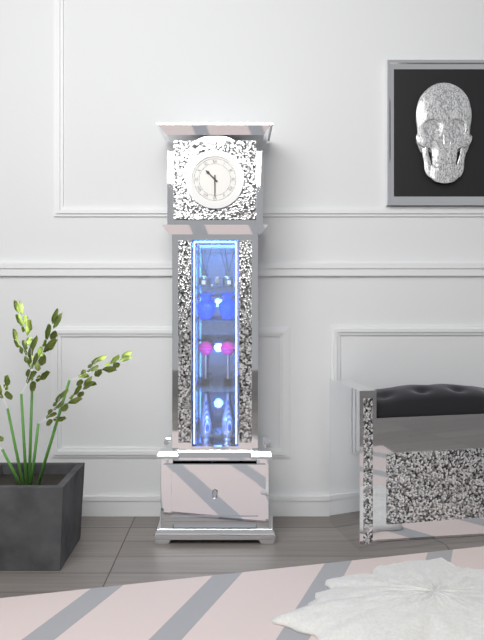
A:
10.30
